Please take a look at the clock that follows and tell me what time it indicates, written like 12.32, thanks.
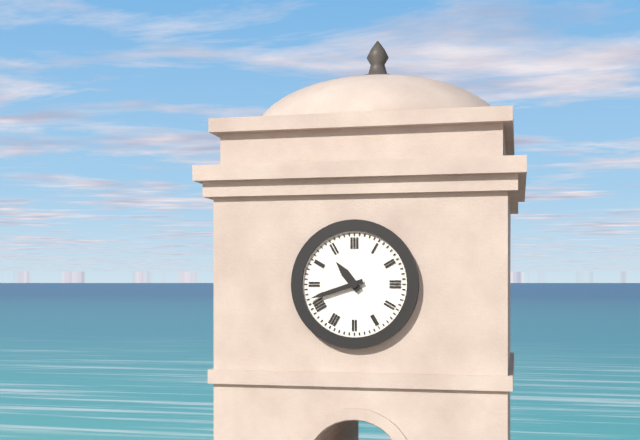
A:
10.42
